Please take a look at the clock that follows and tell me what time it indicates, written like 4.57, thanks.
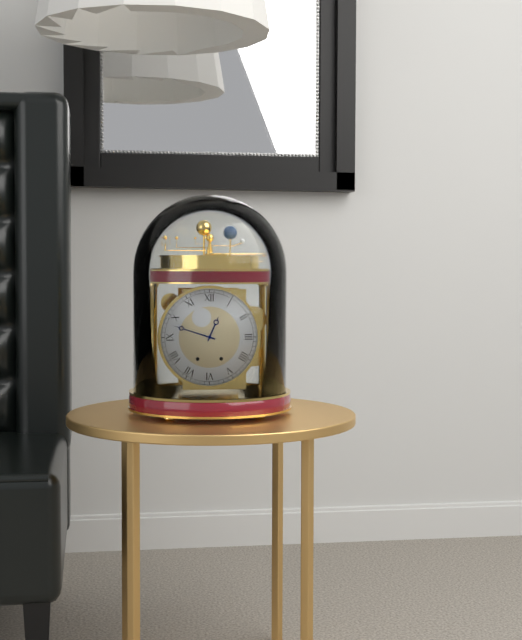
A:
12.48
